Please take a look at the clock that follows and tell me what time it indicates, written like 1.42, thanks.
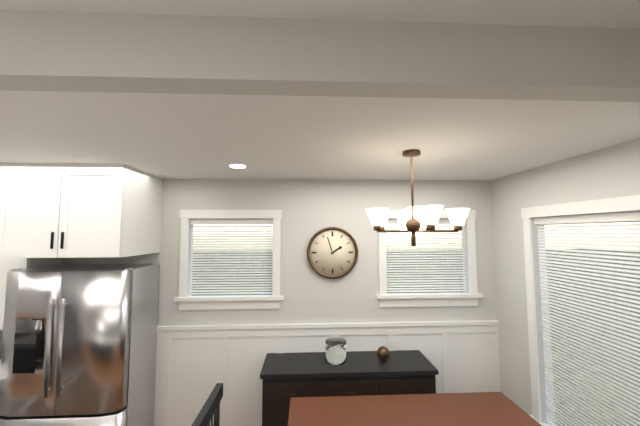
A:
1.57
